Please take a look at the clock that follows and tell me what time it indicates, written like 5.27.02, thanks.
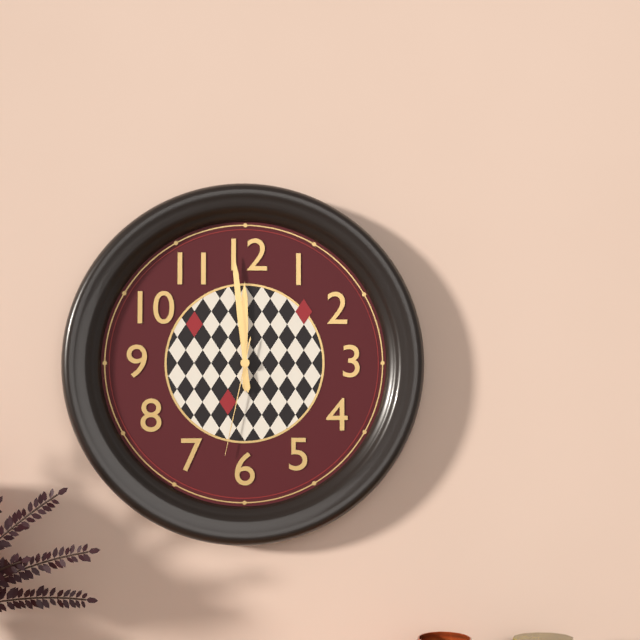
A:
11.59.32
